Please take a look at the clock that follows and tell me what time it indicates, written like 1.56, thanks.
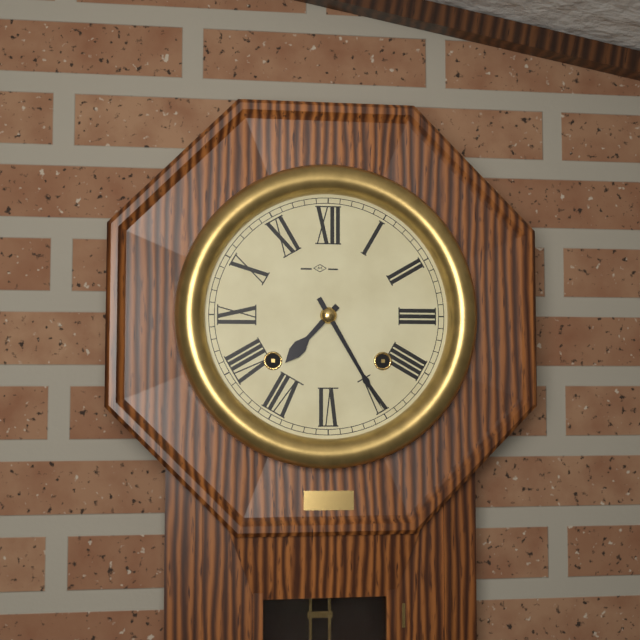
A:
7.25
